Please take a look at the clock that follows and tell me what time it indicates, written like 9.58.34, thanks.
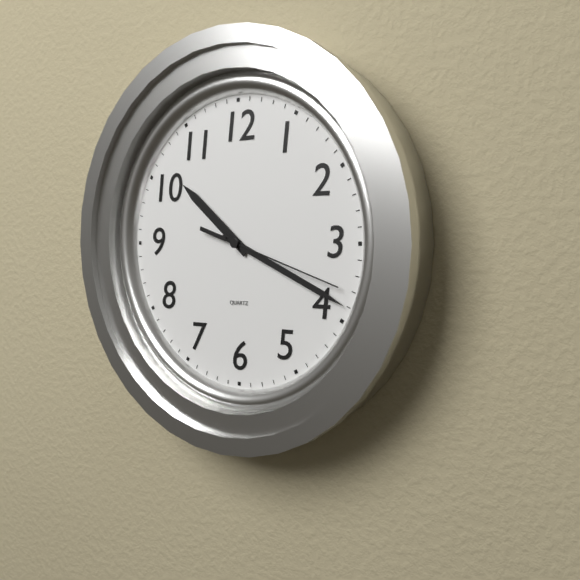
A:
10.19.18
